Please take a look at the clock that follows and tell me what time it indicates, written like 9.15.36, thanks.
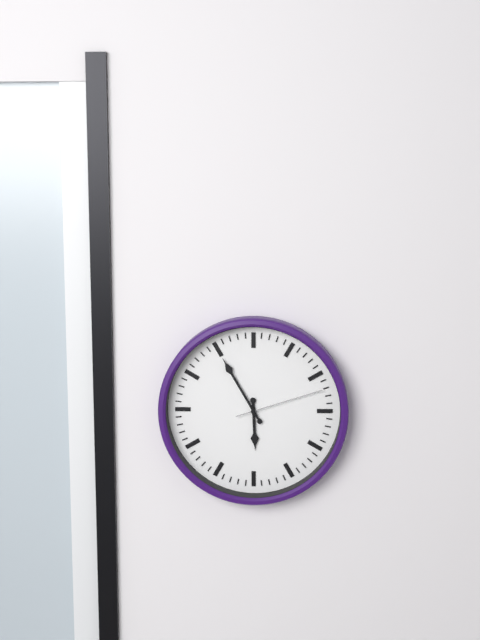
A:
5.55.12
